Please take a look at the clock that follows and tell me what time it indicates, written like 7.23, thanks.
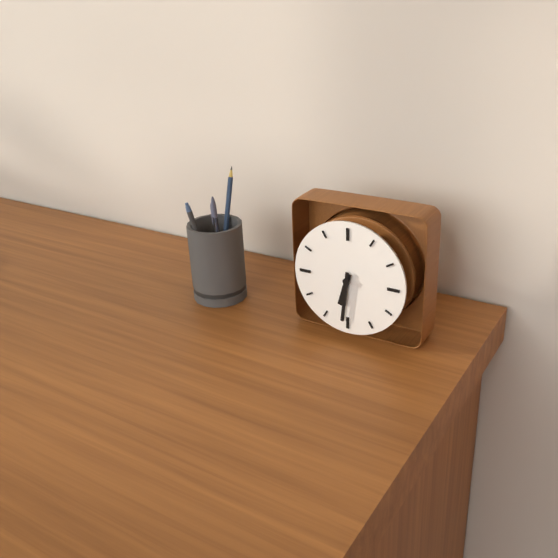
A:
6.31
